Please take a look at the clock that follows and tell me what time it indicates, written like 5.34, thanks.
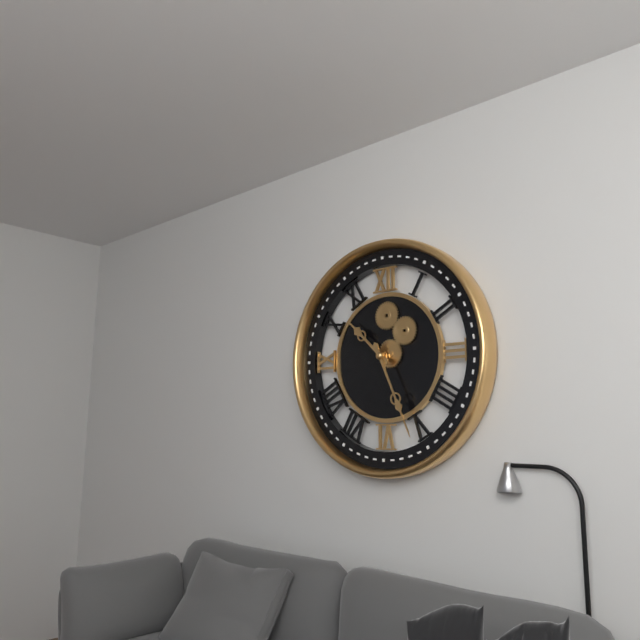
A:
10.26
